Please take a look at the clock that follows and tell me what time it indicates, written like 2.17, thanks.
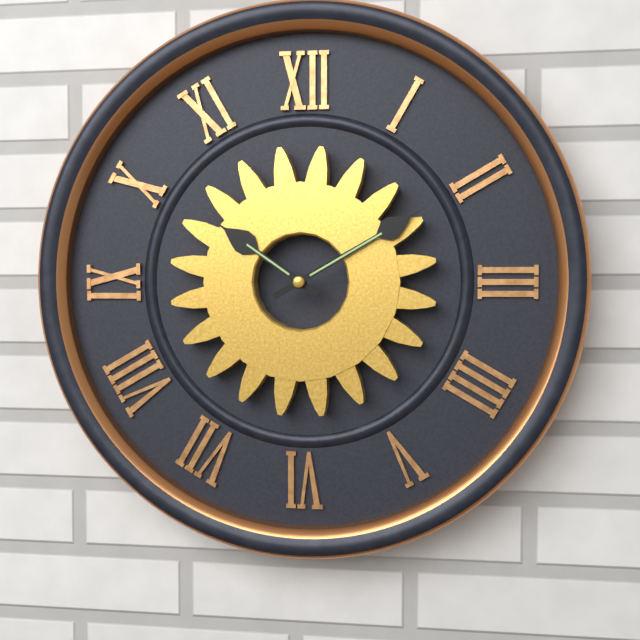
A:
10.10
